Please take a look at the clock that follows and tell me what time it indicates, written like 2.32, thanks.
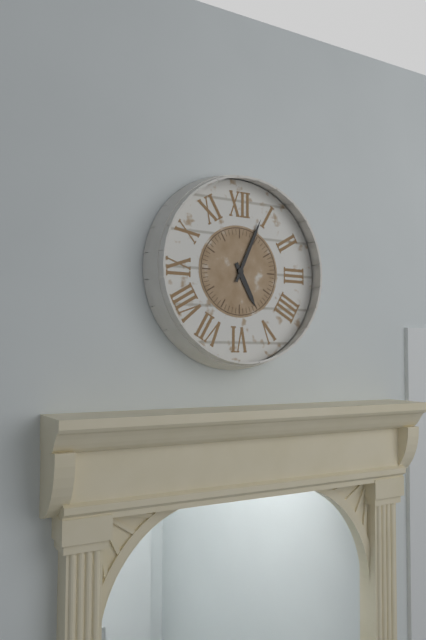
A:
5.04
